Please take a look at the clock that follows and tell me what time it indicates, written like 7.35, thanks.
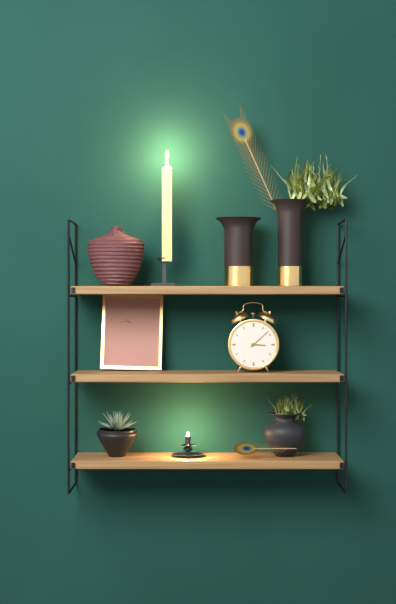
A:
3.08
